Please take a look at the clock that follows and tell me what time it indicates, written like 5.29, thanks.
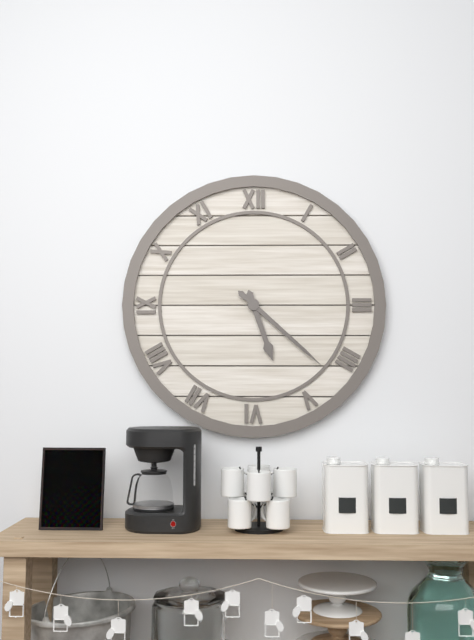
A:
5.22
